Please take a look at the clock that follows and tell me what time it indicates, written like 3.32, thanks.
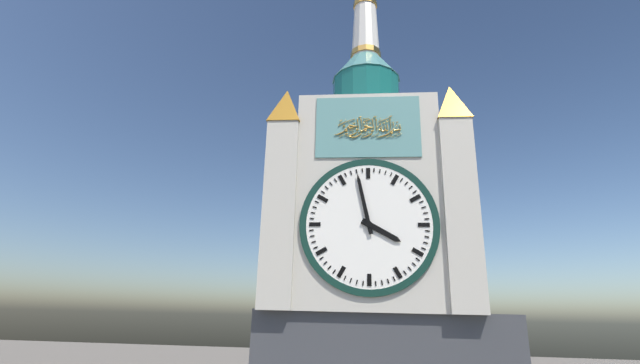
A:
3.58
